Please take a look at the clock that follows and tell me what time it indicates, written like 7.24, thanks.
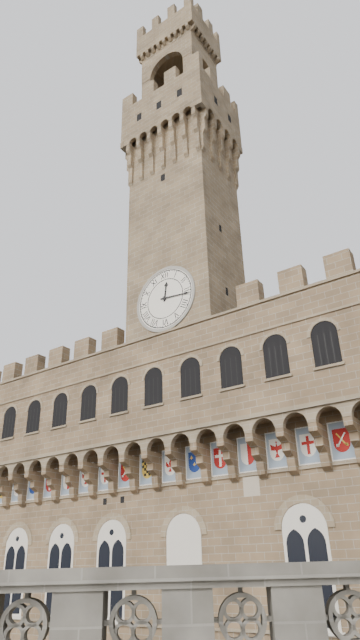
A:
12.16
